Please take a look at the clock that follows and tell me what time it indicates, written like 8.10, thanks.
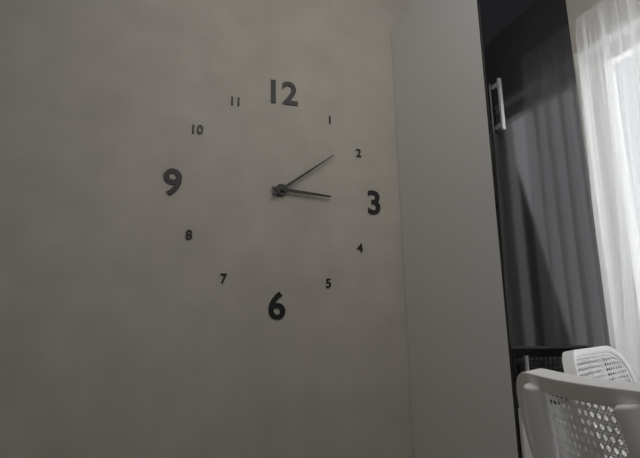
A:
3.09
